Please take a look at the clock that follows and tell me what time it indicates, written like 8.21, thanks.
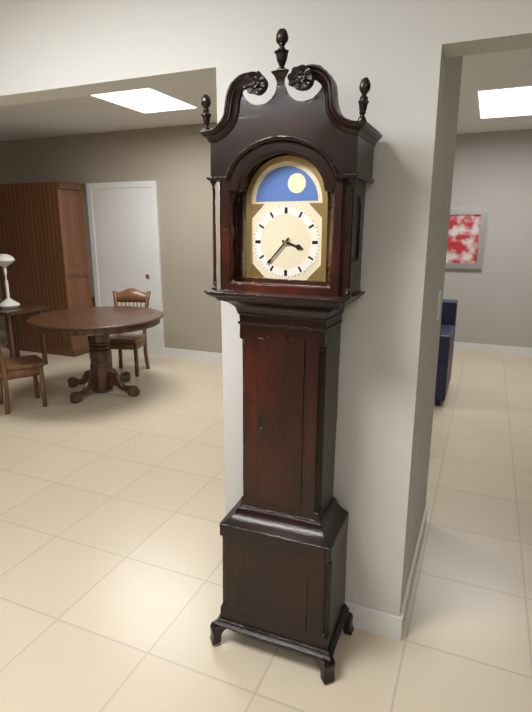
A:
3.37
